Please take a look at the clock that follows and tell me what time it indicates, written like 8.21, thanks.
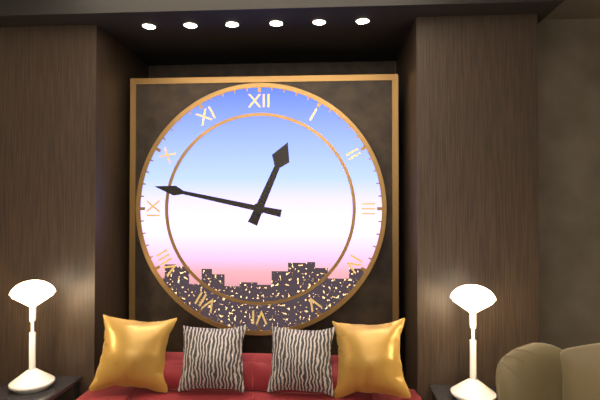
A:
12.47
